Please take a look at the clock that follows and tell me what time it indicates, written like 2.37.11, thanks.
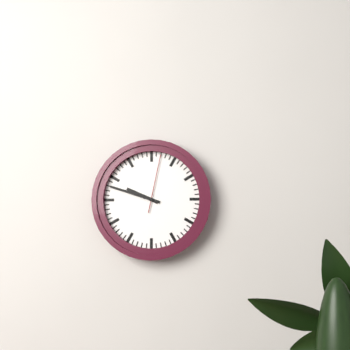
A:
9.48.02
